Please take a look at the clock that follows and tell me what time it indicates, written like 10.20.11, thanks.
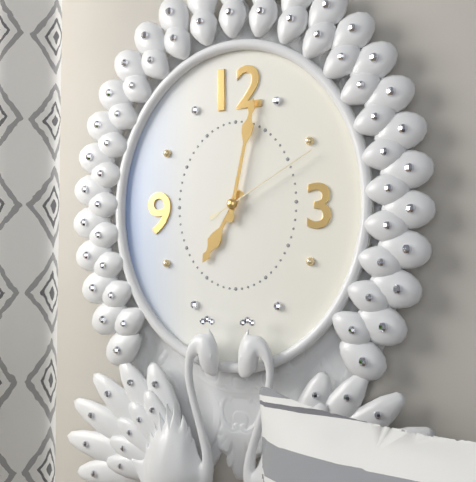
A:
7.02.10
